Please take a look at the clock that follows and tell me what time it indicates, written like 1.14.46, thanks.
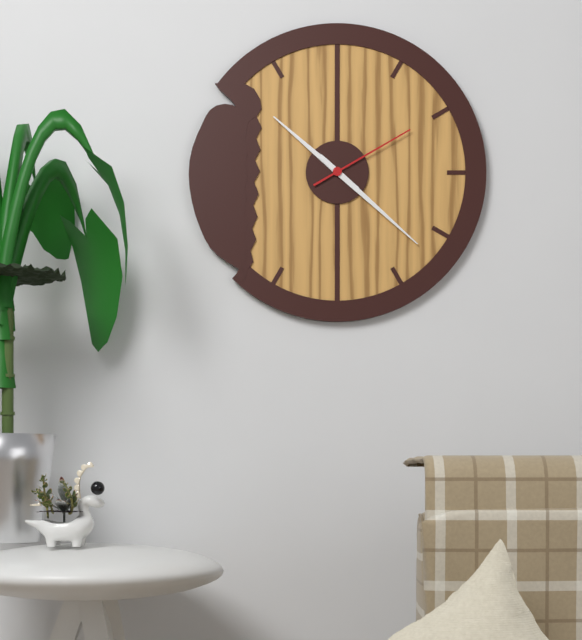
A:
10.22.10
